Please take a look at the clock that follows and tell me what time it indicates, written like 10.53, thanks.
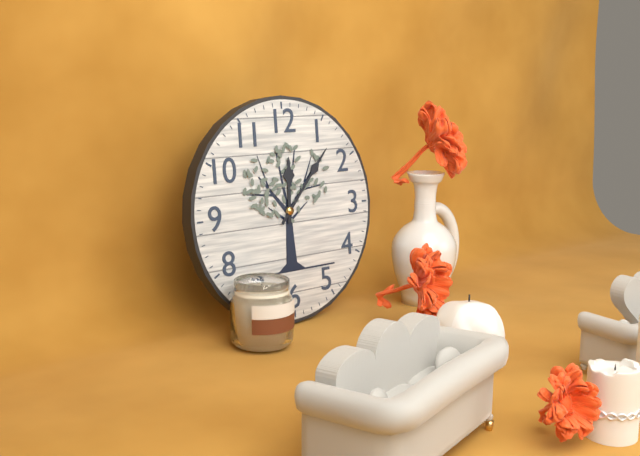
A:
12.07
